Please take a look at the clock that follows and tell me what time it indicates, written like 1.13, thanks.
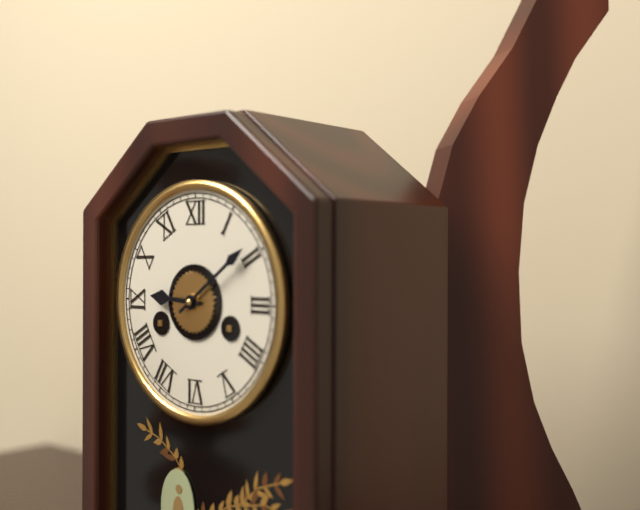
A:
9.09
